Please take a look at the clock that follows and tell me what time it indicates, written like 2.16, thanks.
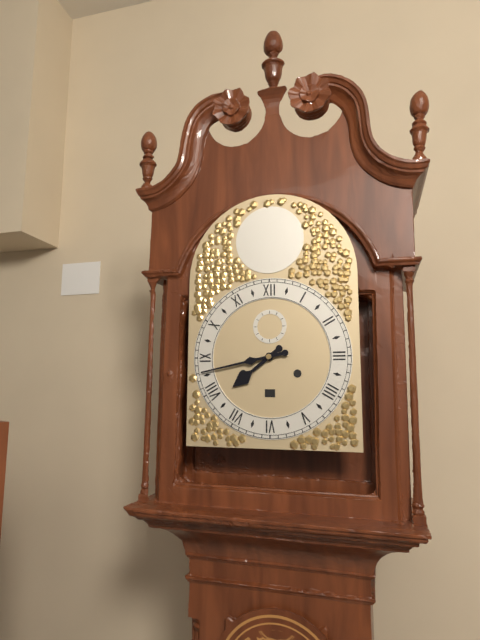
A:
7.43
